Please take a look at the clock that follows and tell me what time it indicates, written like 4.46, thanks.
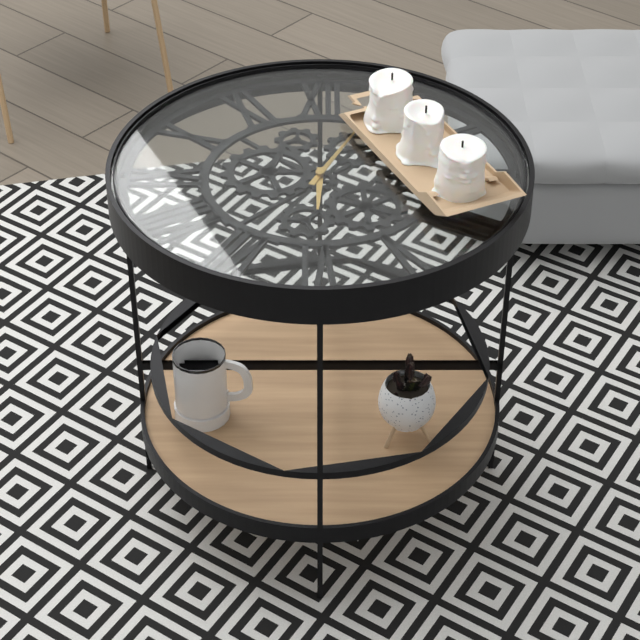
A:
6.04
